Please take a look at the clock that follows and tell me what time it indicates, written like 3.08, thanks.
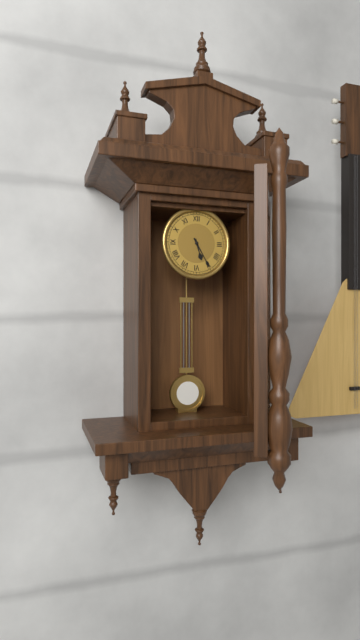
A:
5.25
